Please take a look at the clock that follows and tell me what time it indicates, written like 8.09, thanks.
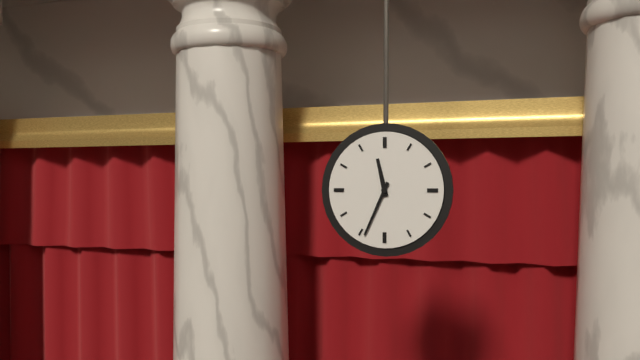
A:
11.34
